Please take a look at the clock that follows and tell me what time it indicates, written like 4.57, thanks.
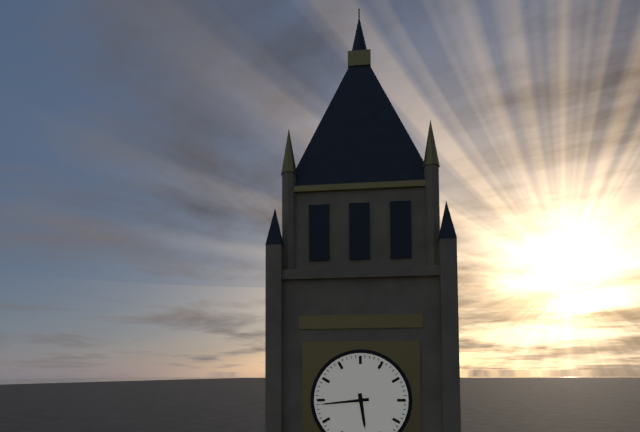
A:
5.44
